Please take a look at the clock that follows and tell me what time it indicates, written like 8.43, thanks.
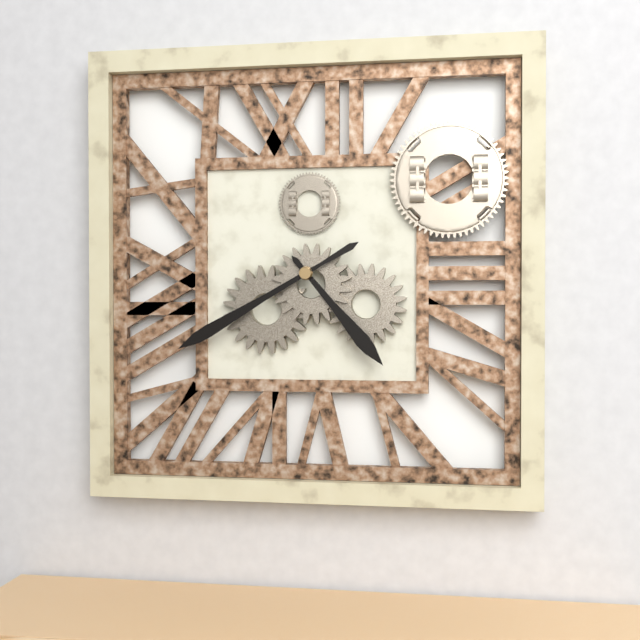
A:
4.40
